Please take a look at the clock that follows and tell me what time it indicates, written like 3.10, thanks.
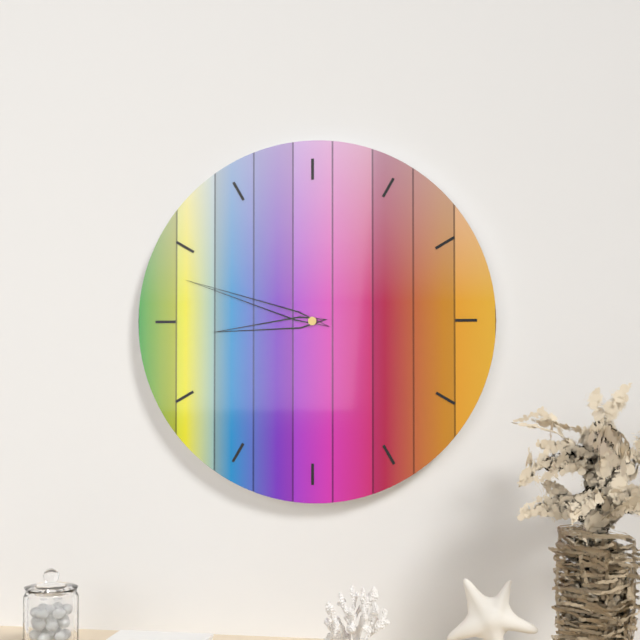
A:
8.48
